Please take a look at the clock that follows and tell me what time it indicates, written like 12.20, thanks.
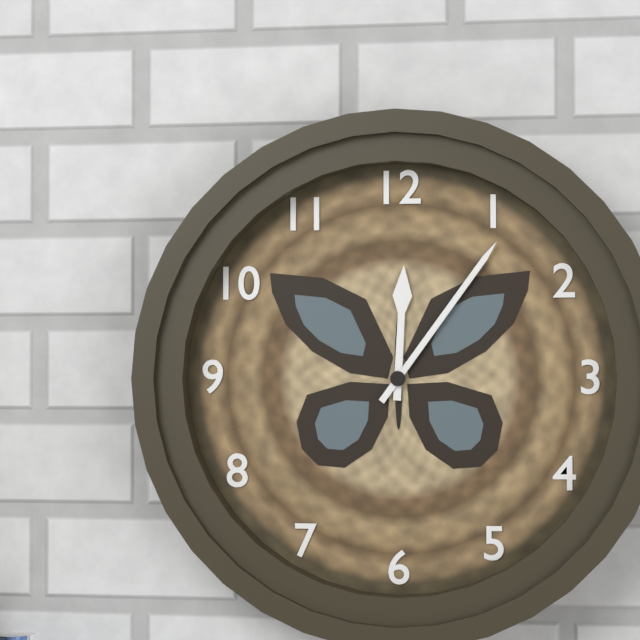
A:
12.06
